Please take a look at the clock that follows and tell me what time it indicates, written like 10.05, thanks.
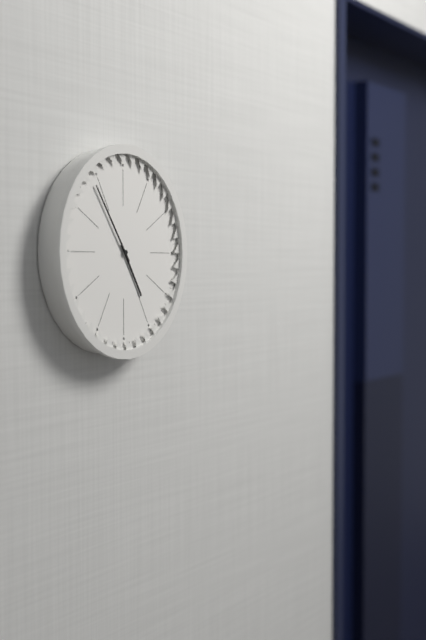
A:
4.54
